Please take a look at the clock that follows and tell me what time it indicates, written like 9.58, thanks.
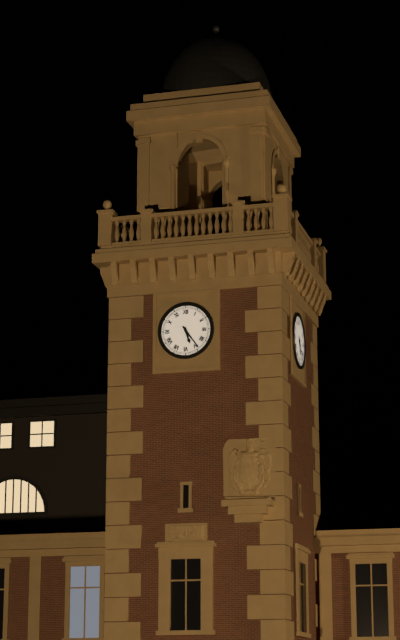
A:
5.24
